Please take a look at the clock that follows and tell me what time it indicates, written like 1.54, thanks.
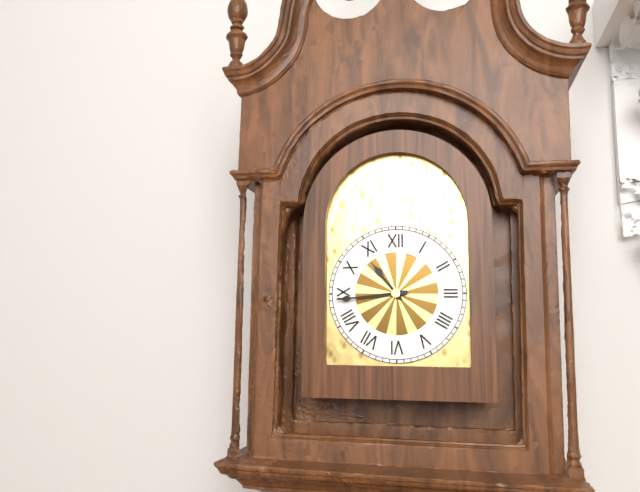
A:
10.44
